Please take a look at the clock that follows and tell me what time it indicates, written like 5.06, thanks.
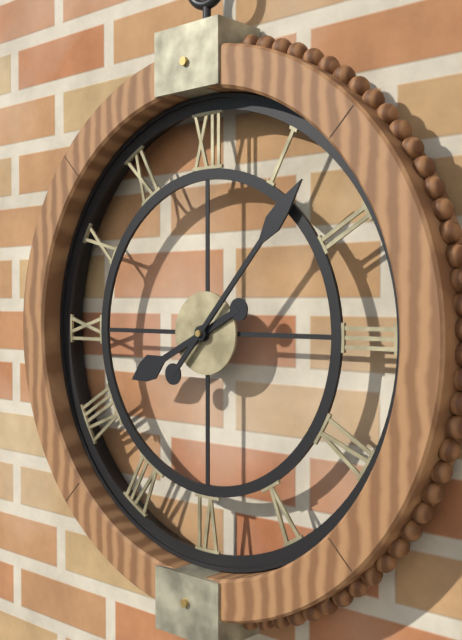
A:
8.07
